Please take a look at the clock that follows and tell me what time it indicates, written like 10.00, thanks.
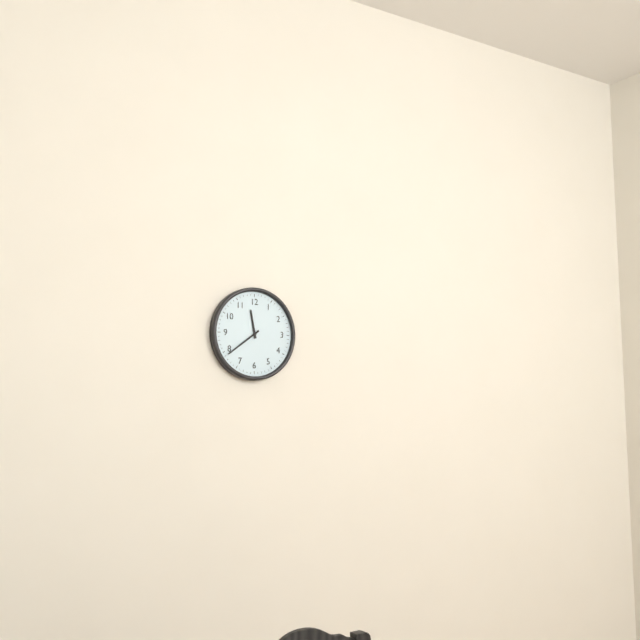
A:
11.39
